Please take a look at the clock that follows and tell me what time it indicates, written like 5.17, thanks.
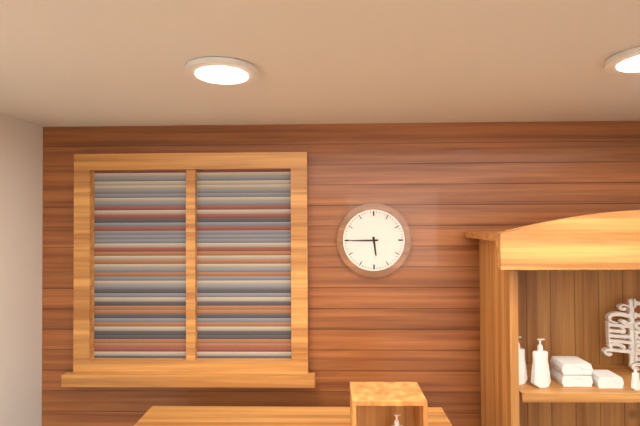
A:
5.45
